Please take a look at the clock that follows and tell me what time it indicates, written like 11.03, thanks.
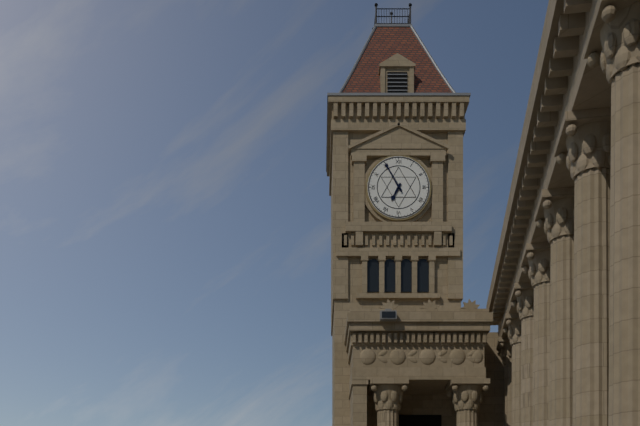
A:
6.55
